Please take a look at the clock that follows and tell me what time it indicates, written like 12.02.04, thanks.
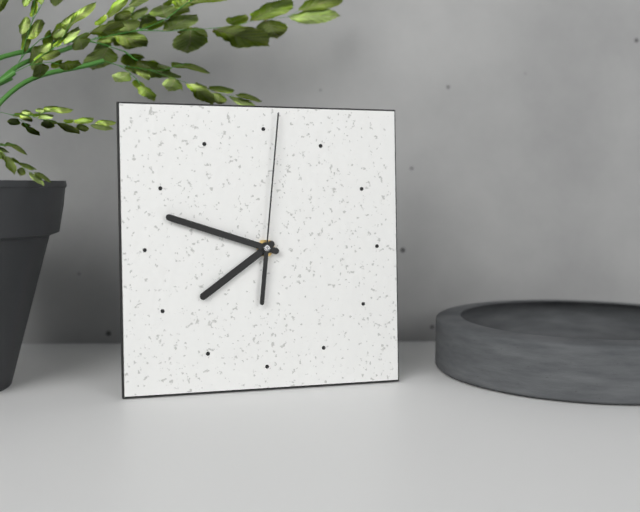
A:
7.48.01
